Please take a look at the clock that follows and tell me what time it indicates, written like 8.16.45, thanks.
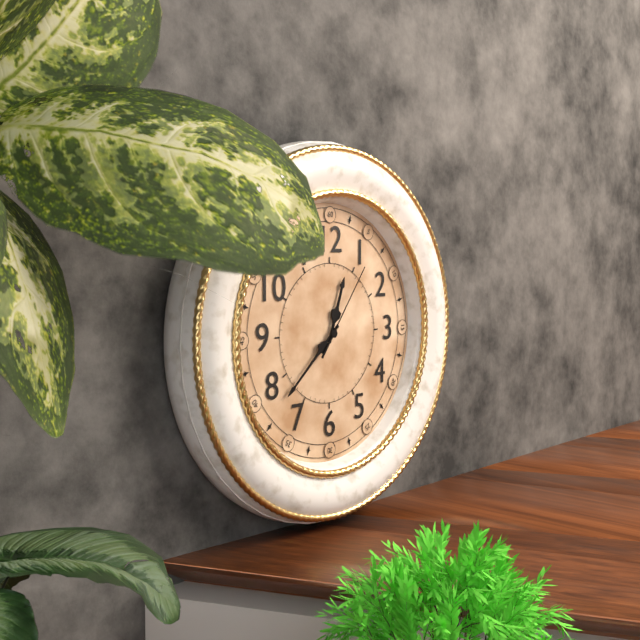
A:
12.38.06
